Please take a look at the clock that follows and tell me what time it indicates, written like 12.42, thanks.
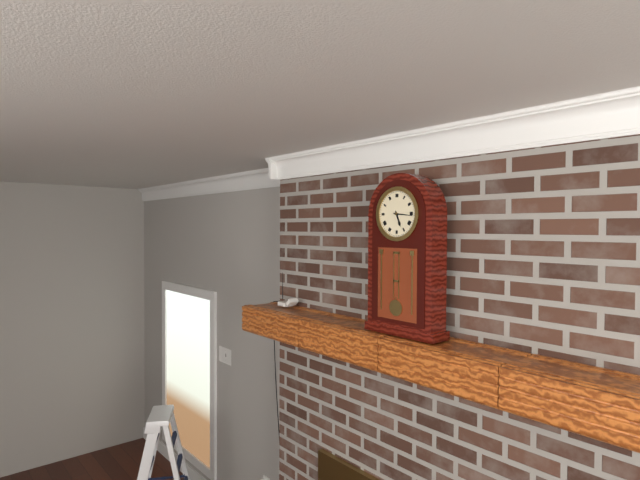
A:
5.16
